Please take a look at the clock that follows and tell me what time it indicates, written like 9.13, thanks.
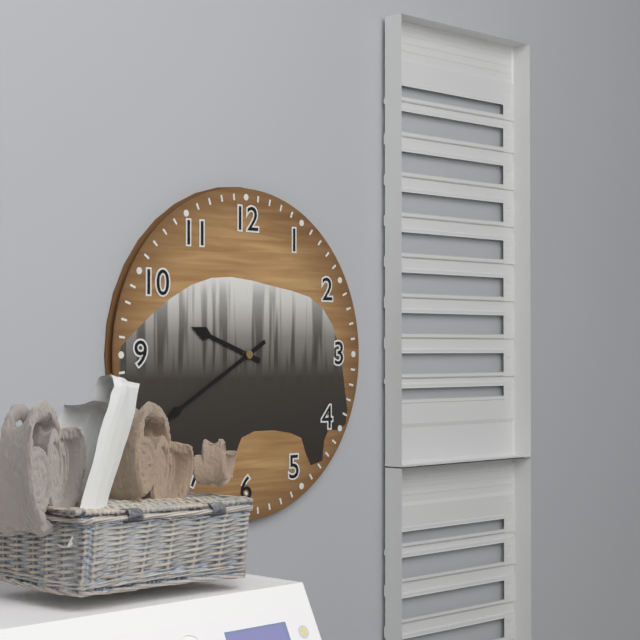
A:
9.40
